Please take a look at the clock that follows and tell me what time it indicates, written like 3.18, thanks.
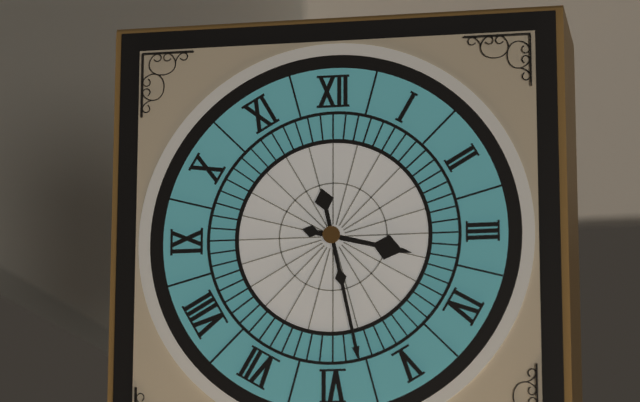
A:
3.28
